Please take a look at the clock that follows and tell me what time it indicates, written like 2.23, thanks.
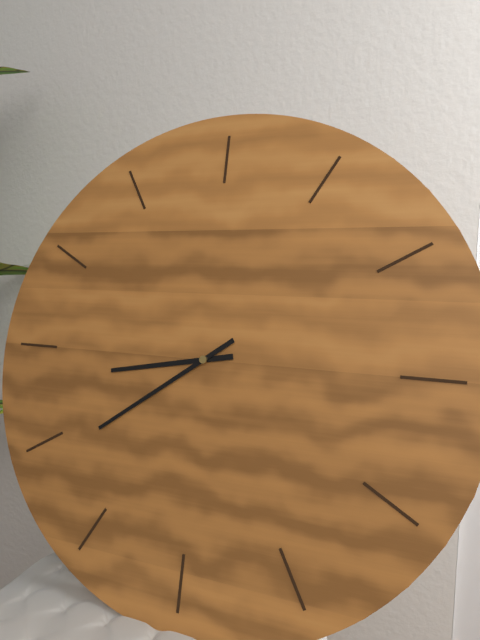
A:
8.39
